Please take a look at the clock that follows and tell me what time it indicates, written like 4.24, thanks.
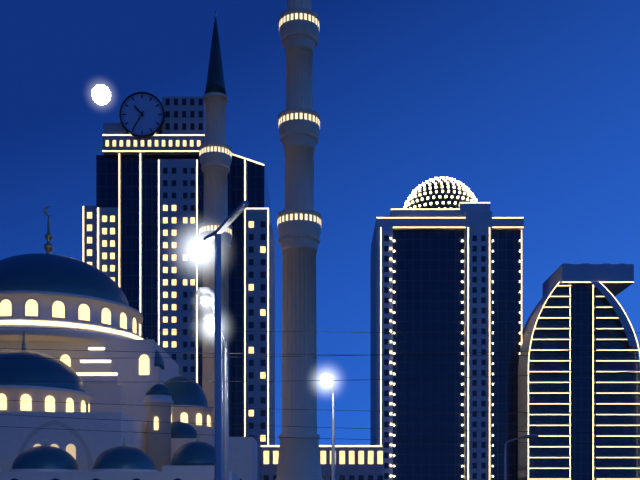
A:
10.35
